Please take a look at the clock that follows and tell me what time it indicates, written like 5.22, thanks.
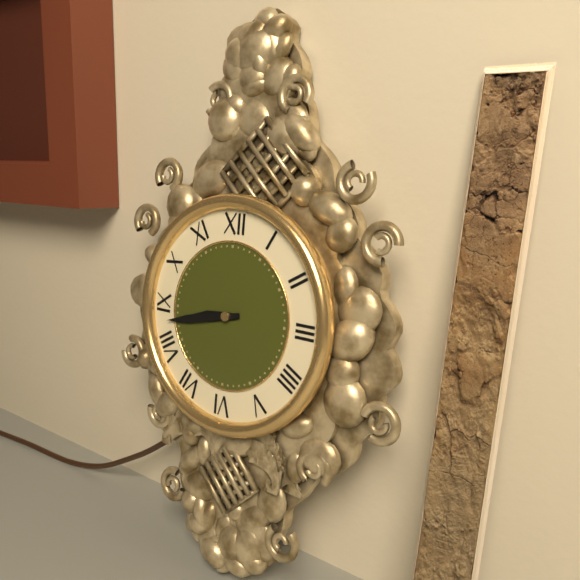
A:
8.43
